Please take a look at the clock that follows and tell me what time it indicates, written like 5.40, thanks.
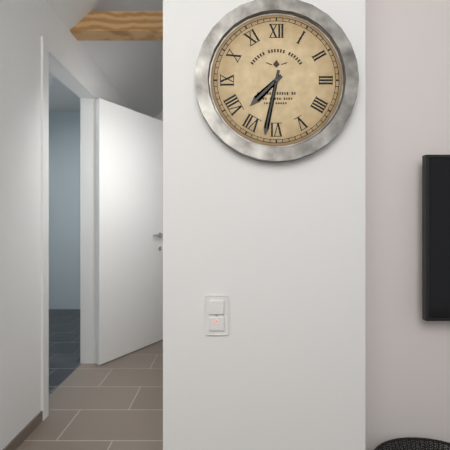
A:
7.32
